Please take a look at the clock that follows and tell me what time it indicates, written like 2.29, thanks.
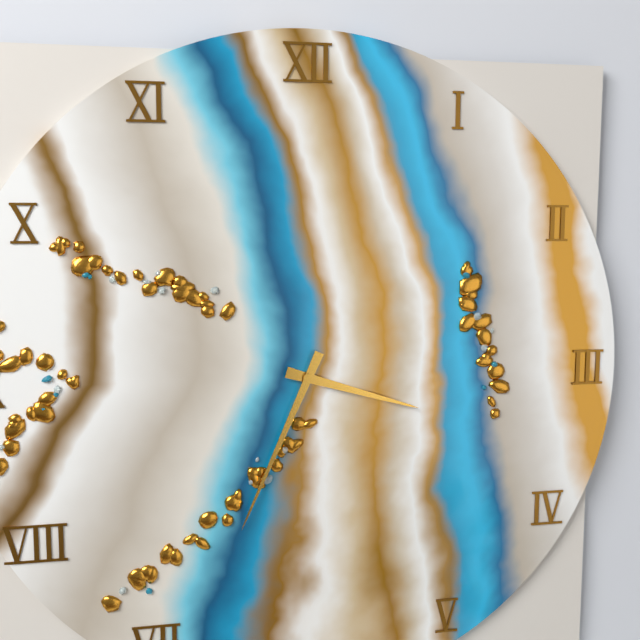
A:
3.34
